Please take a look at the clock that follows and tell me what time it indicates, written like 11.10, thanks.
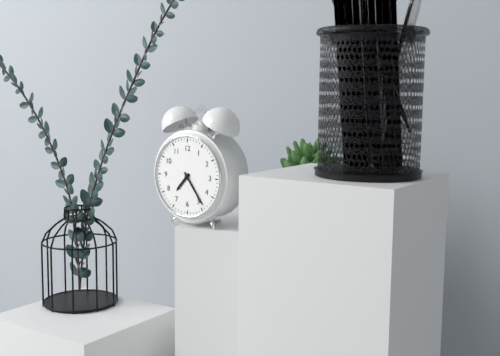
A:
7.24
